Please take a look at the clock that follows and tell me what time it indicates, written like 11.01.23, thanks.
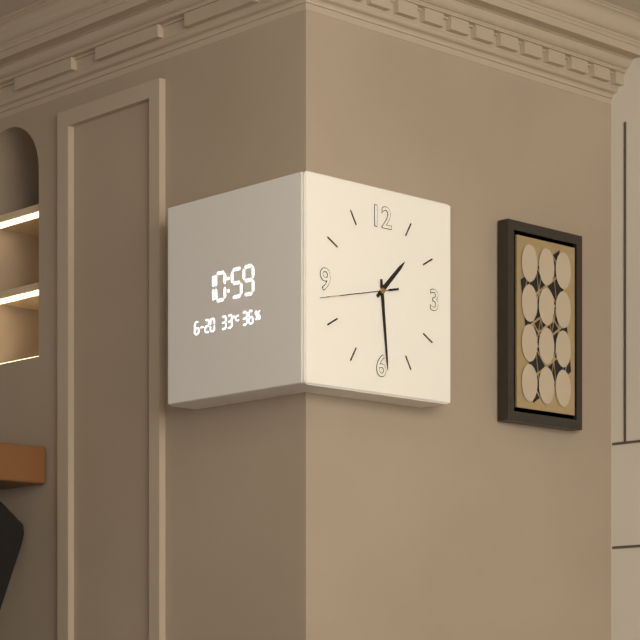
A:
1.29.43
